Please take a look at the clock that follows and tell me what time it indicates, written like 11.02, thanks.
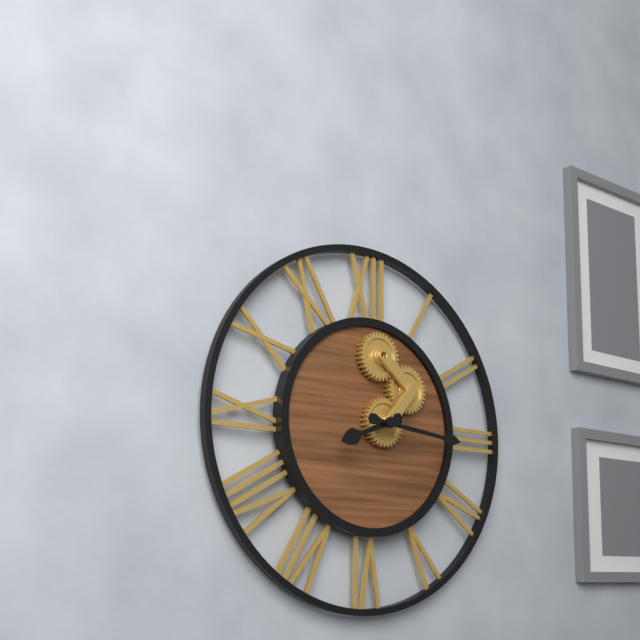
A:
8.16
